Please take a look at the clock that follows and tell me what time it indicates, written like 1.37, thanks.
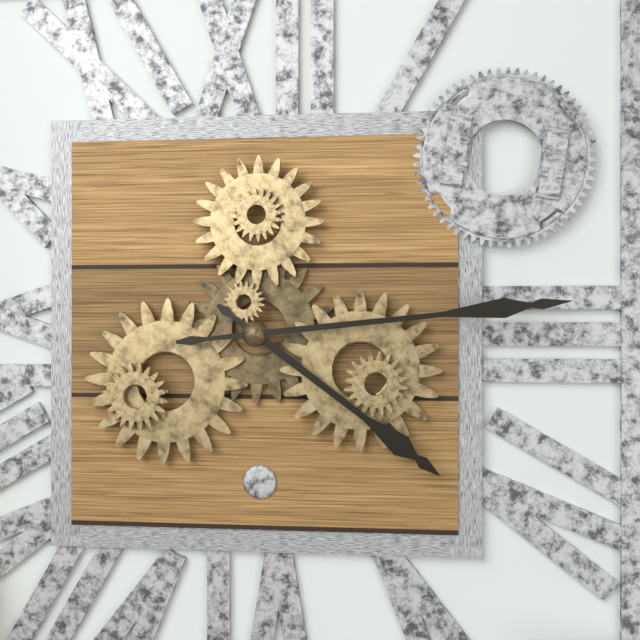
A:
4.14
